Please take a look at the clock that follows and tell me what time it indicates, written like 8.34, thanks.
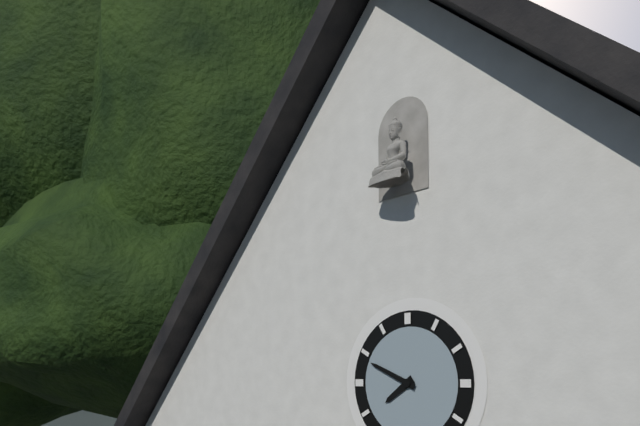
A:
7.49
